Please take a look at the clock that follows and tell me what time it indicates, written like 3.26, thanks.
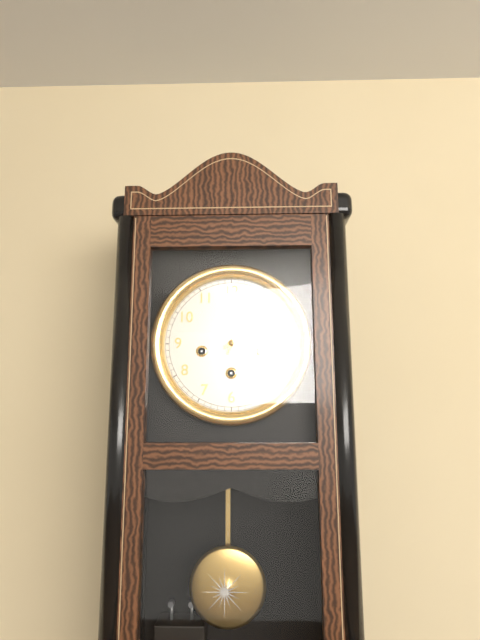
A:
2.03
